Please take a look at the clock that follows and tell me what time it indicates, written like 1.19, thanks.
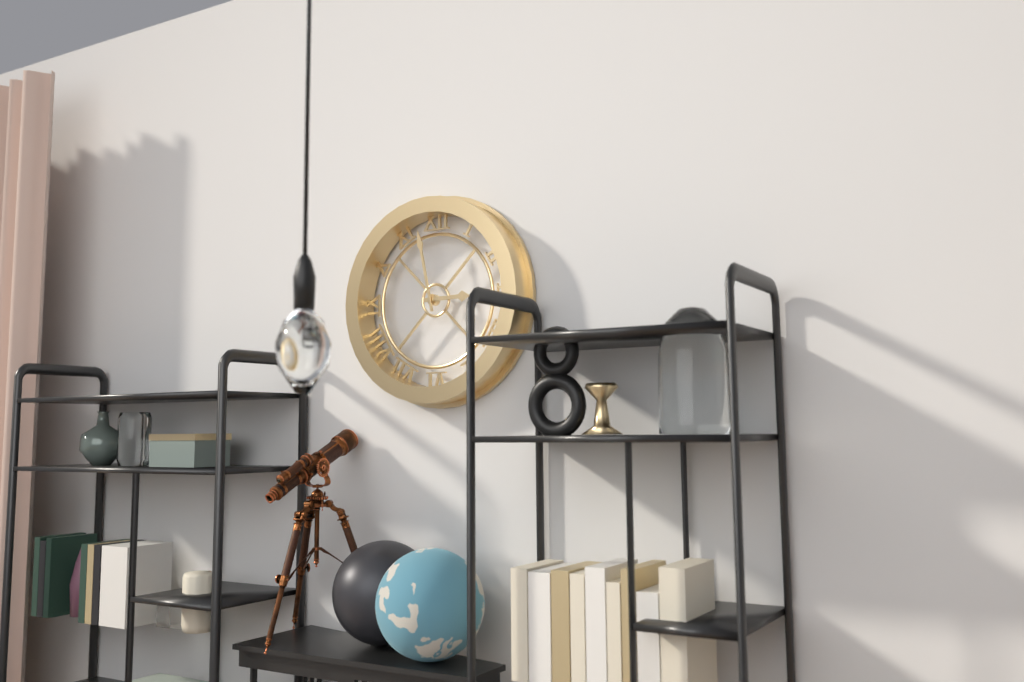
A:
2.58
